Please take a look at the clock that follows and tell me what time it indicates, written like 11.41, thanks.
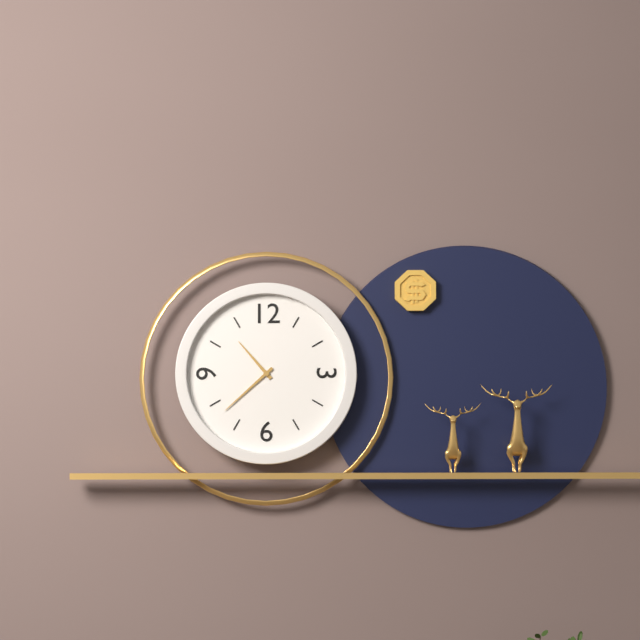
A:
10.38
